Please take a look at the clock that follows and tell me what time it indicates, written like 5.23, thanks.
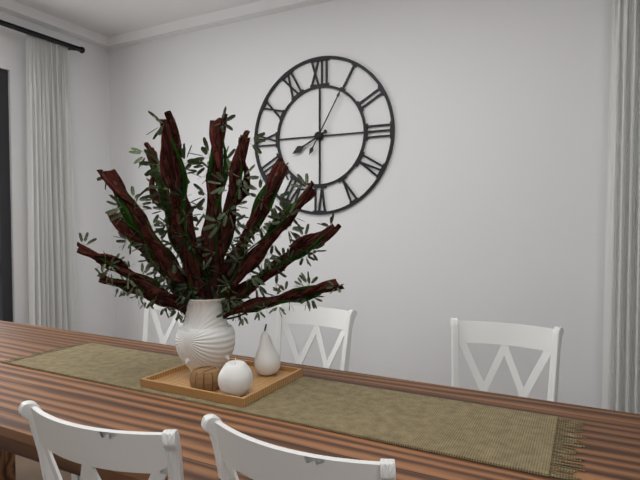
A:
8.05
